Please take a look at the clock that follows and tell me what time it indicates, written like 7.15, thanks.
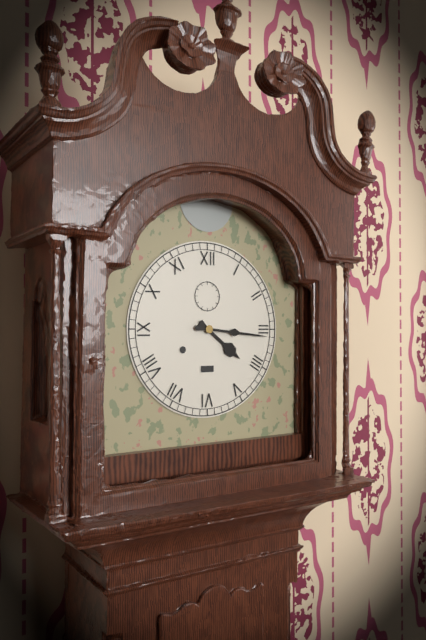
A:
4.16
